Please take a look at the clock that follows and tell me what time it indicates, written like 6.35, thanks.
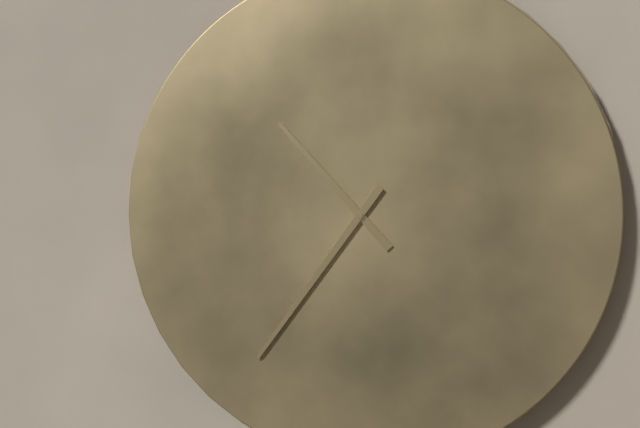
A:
10.36
